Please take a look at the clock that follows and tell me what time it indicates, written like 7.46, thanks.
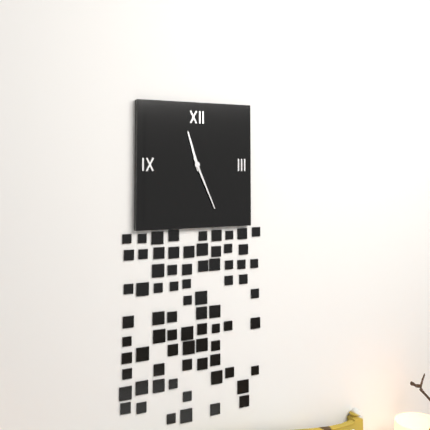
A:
11.26
